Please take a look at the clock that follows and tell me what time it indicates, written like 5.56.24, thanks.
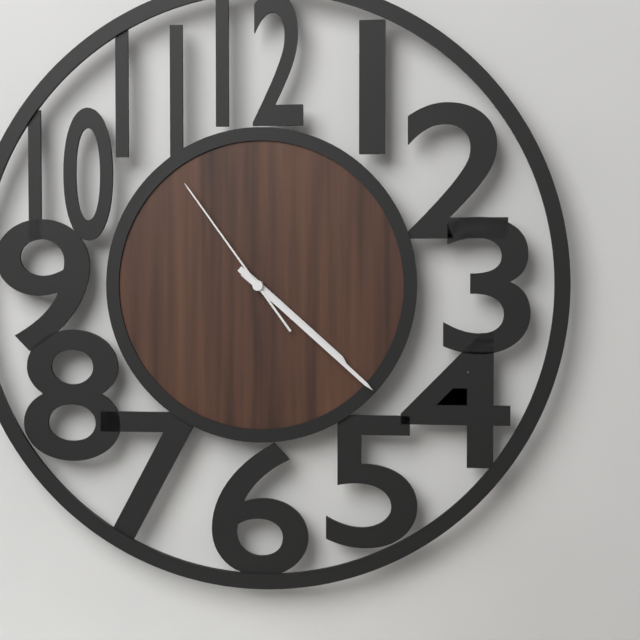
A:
4.22.54
